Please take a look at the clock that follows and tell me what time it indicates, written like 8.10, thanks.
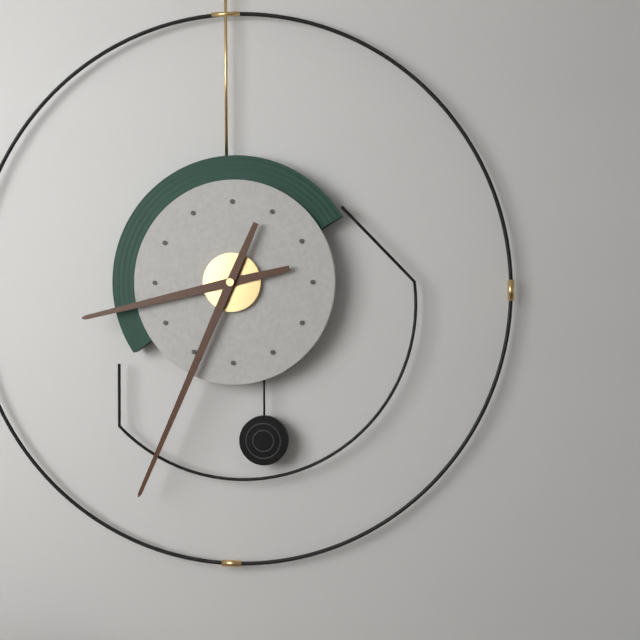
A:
8.34
